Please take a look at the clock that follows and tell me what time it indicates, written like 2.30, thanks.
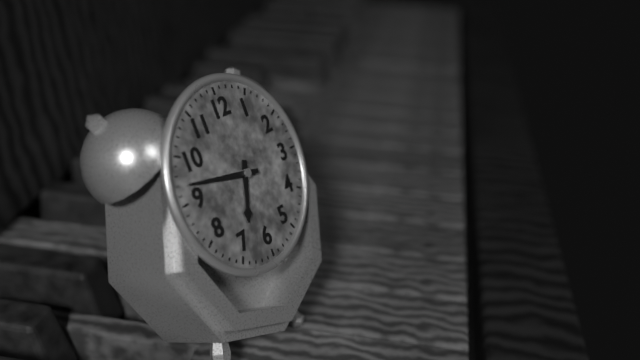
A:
6.47
